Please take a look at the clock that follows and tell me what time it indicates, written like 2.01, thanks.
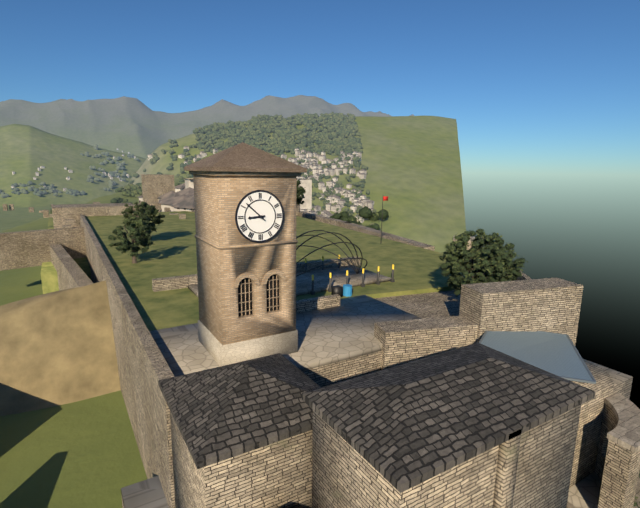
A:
8.52
